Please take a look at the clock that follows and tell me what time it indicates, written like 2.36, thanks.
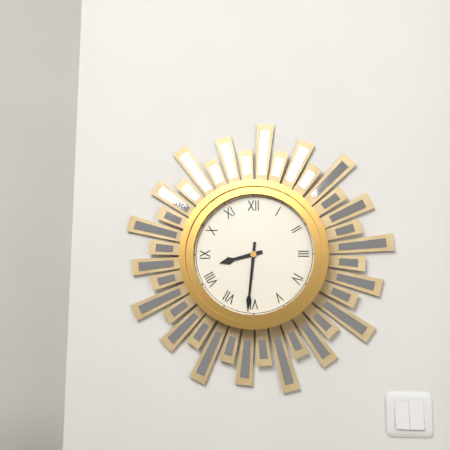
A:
8.31
